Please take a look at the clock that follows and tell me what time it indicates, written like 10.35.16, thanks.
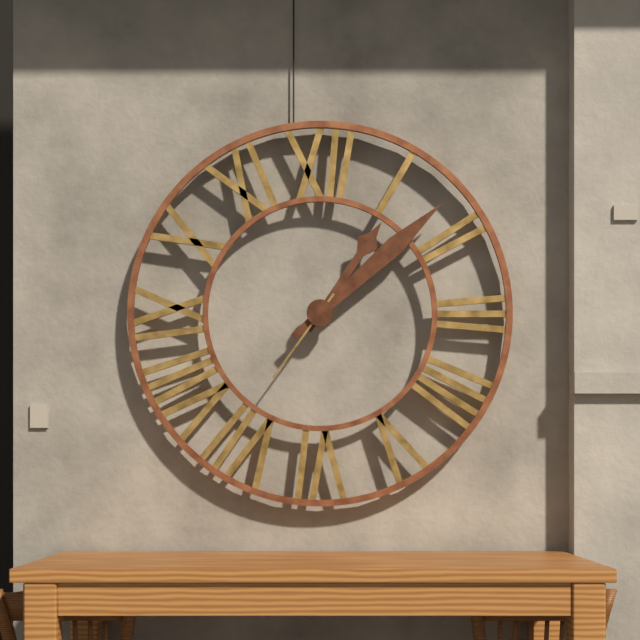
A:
1.08.36
